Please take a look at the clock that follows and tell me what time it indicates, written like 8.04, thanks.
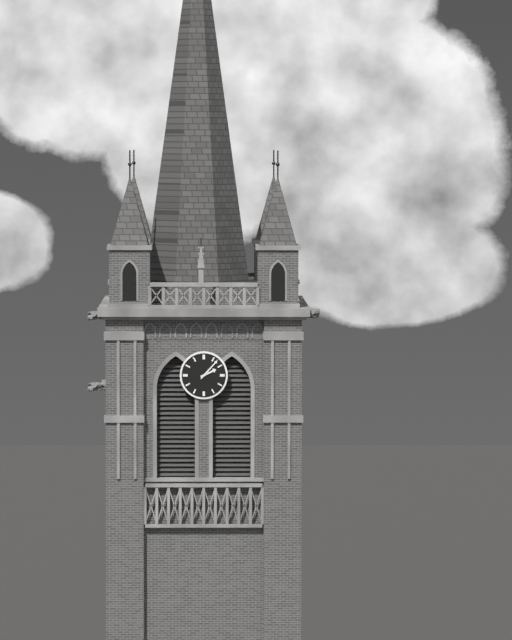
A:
2.07
